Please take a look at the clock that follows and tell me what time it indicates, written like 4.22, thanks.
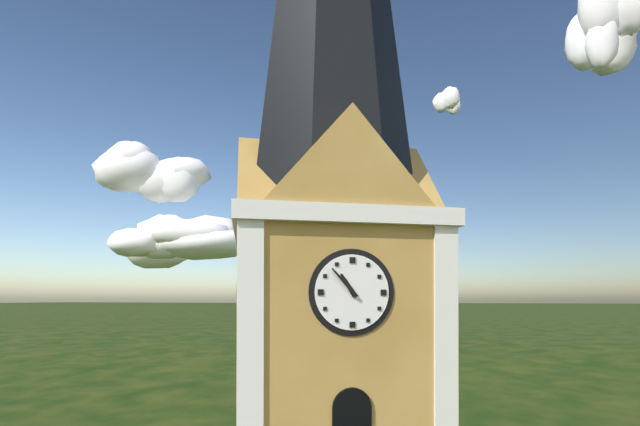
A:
10.53
